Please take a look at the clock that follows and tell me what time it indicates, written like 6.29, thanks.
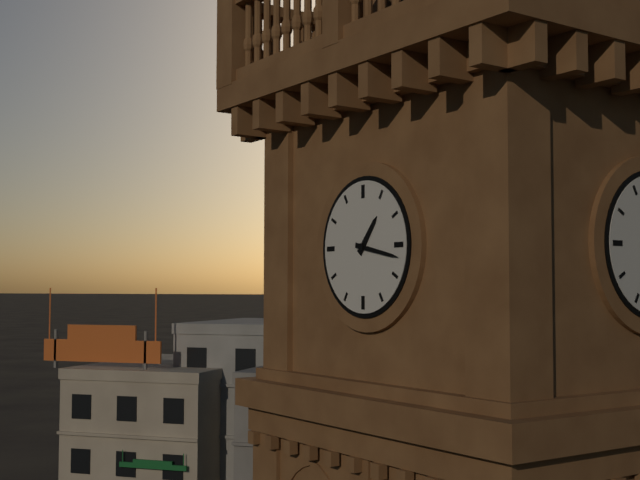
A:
1.17
